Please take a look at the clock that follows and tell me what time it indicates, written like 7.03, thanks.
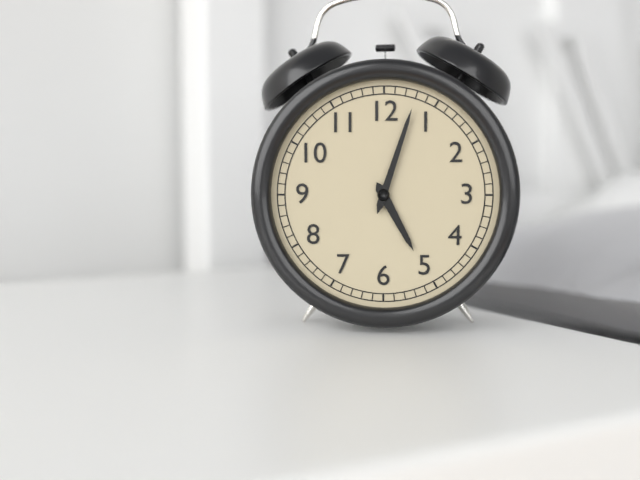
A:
5.03
